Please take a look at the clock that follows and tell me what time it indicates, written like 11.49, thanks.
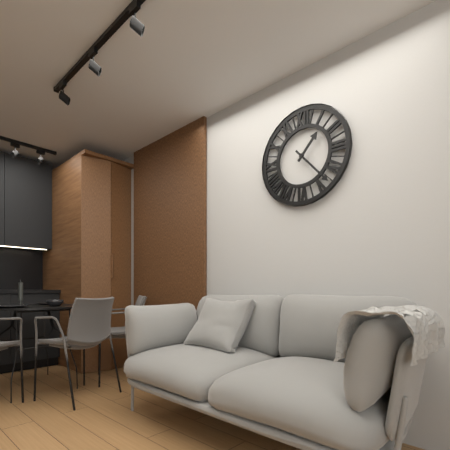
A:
1.23
